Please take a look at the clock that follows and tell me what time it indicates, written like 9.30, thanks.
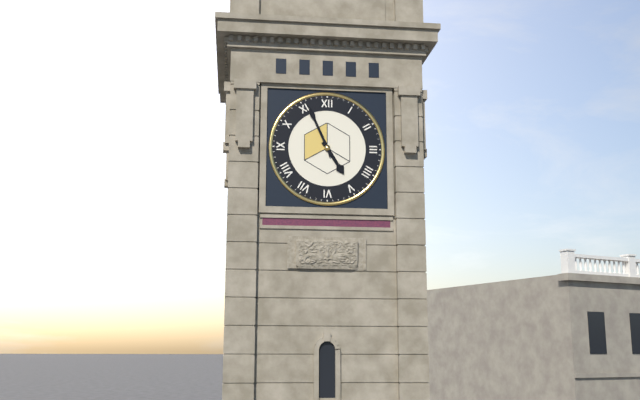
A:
4.56
